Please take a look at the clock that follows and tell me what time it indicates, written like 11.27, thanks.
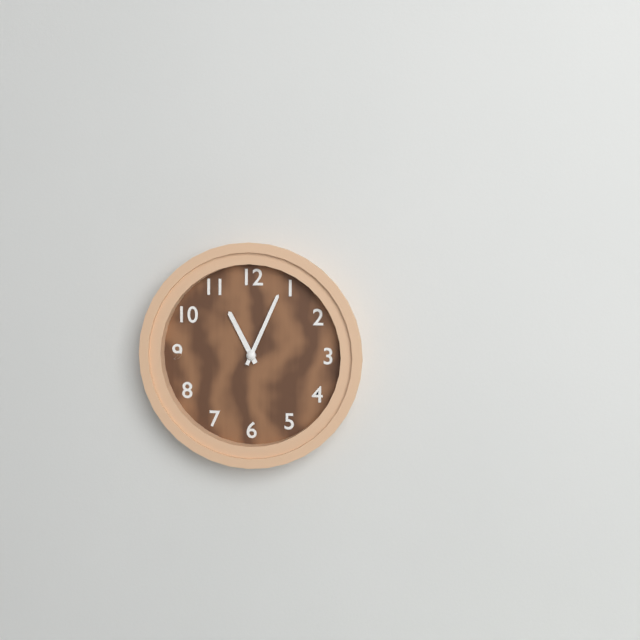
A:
11.04
